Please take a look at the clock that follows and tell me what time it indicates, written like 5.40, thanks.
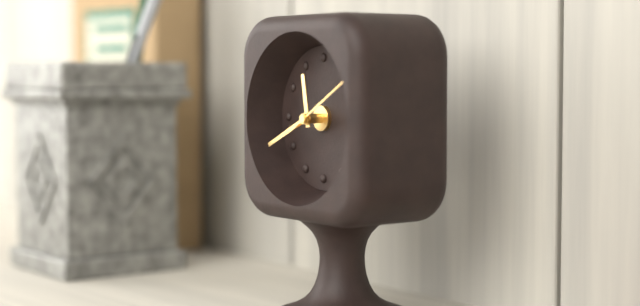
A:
11.41
